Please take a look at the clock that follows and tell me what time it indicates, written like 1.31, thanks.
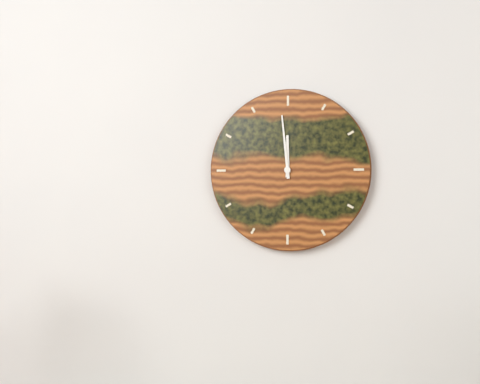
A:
11.59
